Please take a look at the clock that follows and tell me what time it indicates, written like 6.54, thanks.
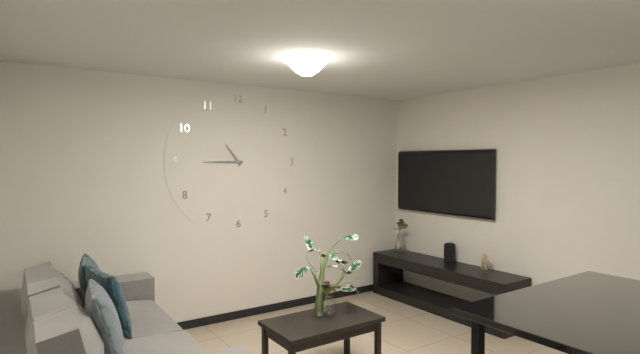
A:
10.45
